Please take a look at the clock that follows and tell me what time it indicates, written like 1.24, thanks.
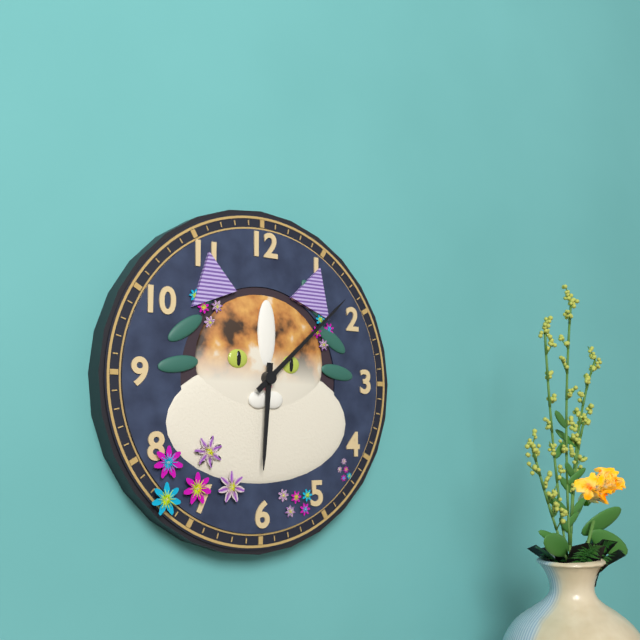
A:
6.08
